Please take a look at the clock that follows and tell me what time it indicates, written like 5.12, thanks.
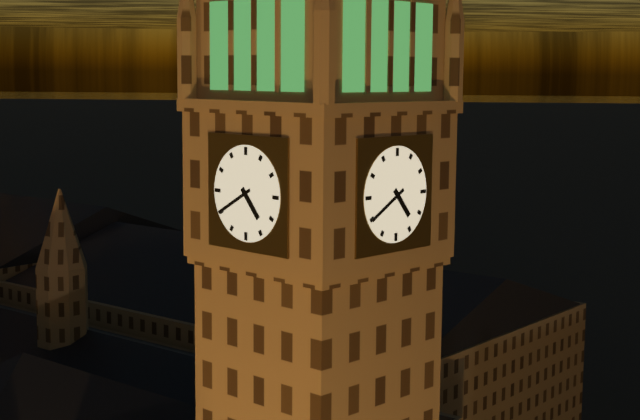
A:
4.40
